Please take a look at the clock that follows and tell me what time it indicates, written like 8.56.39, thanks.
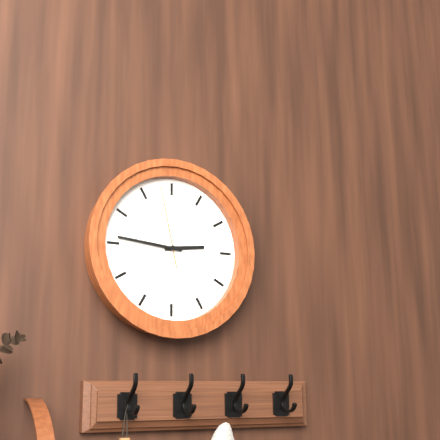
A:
2.46.58
